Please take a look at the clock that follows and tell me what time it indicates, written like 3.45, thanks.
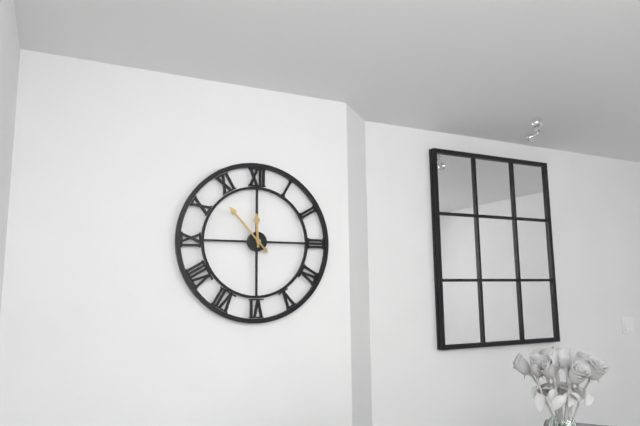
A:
11.53
